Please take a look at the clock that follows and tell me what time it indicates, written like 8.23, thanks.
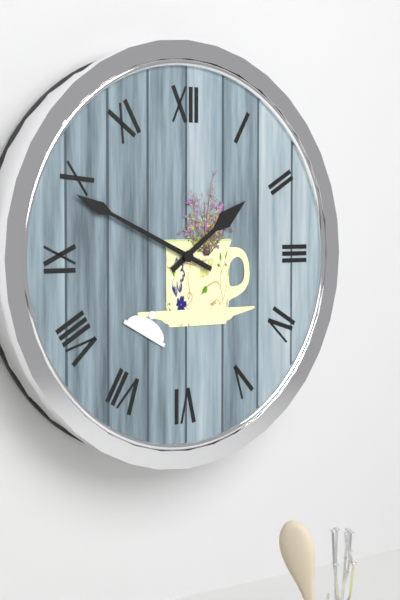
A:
1.49
